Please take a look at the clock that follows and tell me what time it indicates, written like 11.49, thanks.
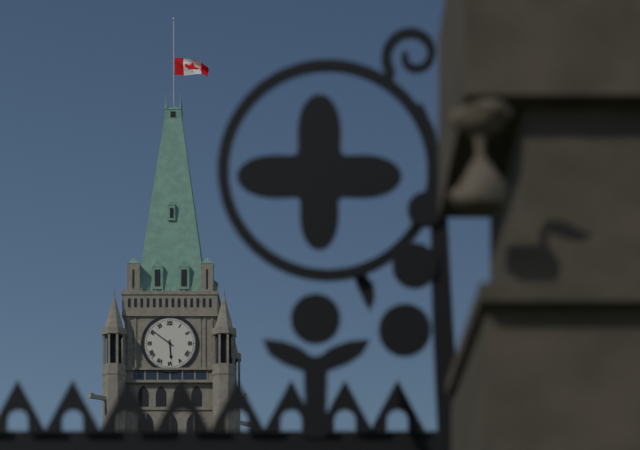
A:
5.51
